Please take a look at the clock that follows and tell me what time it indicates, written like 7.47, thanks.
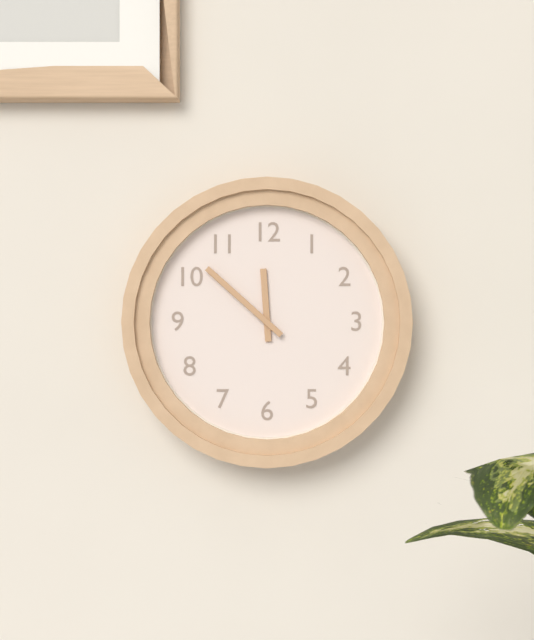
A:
11.52
